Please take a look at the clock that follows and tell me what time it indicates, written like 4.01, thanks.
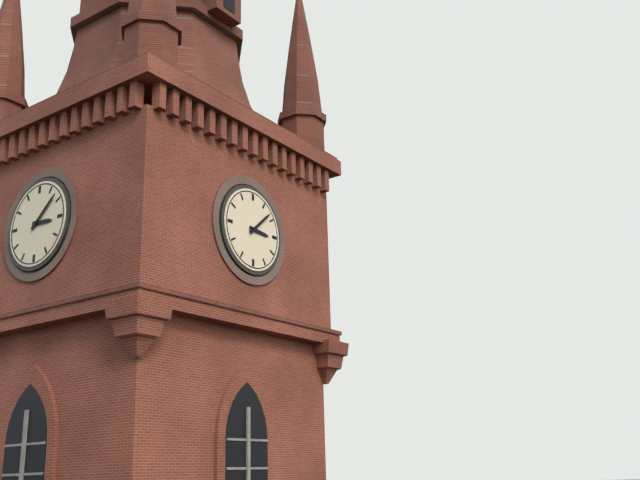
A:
3.08
